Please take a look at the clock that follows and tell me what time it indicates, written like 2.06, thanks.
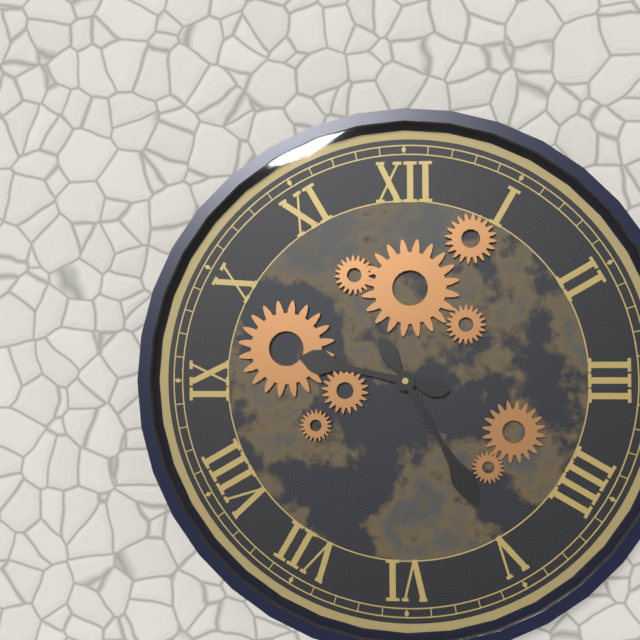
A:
9.25
